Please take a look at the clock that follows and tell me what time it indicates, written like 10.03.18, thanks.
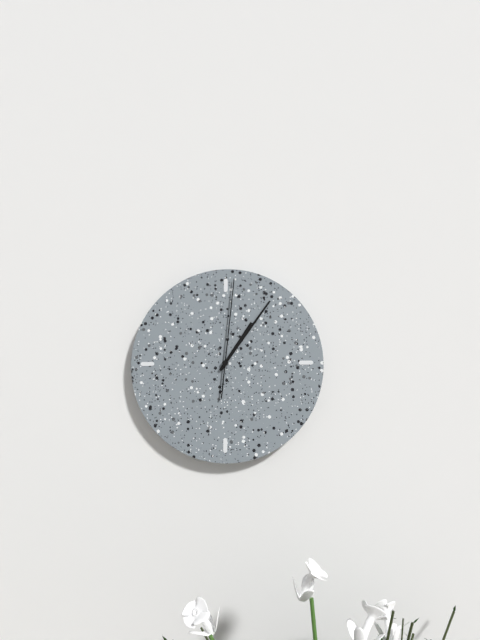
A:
1.06.01
